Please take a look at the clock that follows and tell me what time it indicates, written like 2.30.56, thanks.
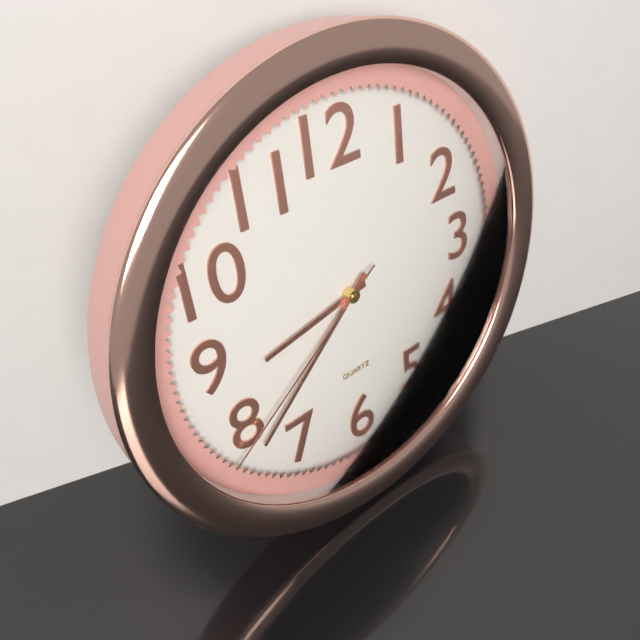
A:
8.38.39
